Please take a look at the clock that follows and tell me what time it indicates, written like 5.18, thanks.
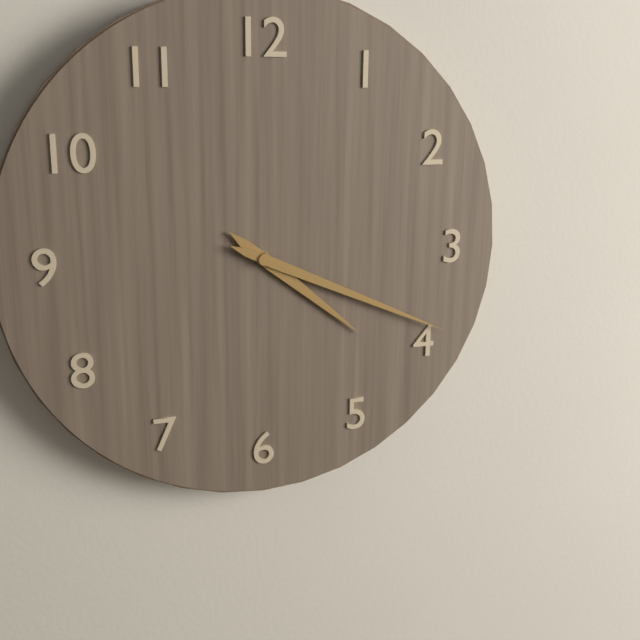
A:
4.19
